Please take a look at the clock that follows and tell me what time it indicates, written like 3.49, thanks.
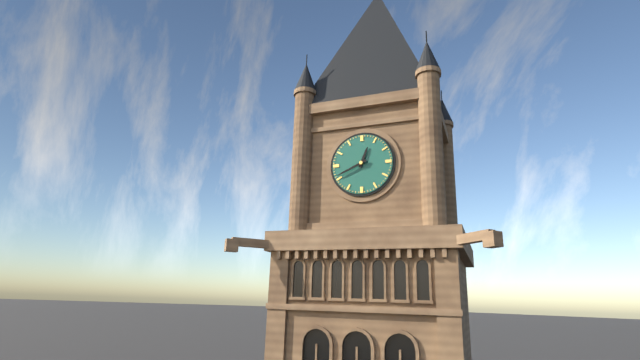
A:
12.41
